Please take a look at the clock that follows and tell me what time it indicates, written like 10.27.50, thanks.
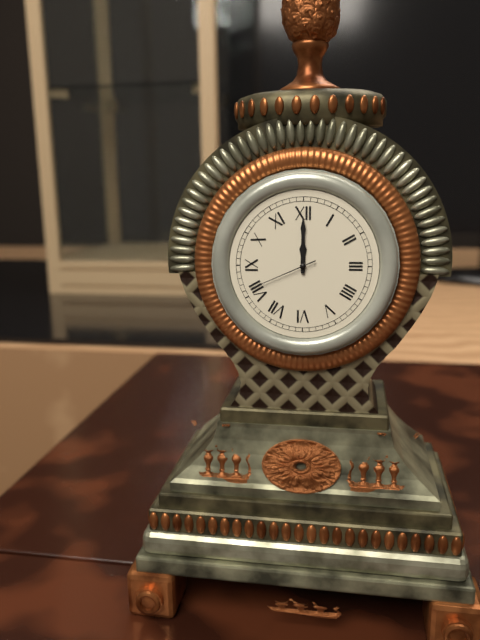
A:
12.00.41
